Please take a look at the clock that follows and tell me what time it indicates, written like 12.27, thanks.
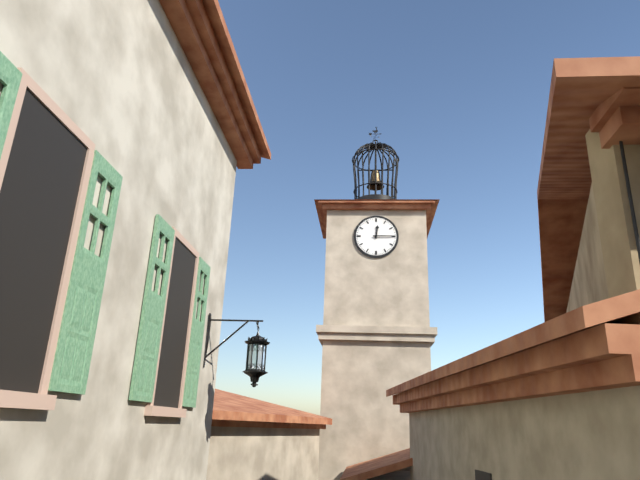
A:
12.15
